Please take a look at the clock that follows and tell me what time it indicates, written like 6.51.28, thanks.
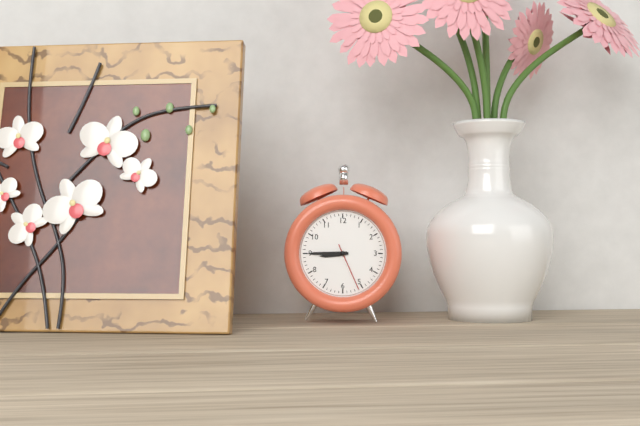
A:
8.45.26
